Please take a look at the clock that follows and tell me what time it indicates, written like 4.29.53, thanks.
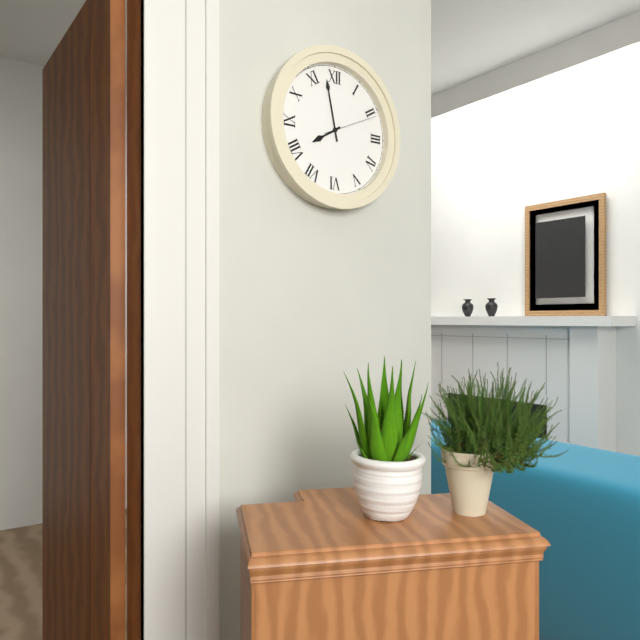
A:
7.58.11
